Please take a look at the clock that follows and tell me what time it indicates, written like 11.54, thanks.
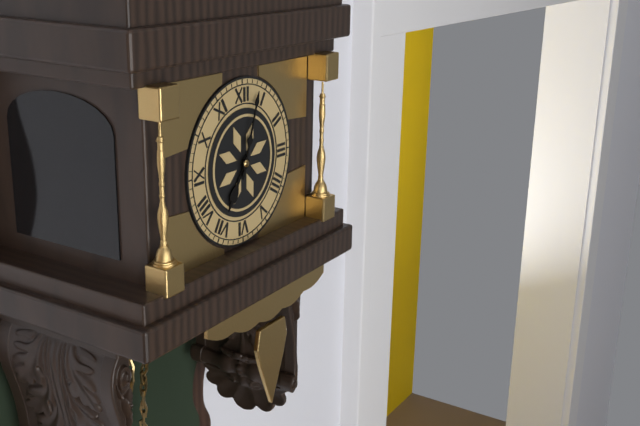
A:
7.03
